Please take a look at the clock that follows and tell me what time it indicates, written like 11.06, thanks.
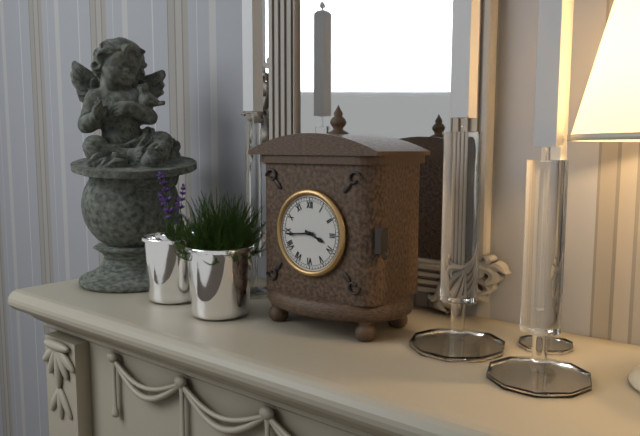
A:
3.44
